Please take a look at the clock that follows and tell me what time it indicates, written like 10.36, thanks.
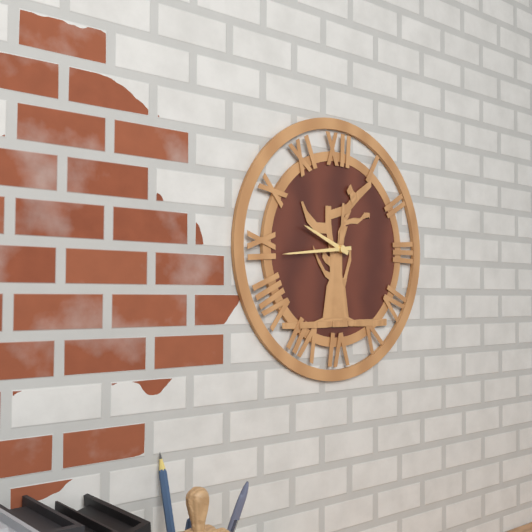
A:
9.44
